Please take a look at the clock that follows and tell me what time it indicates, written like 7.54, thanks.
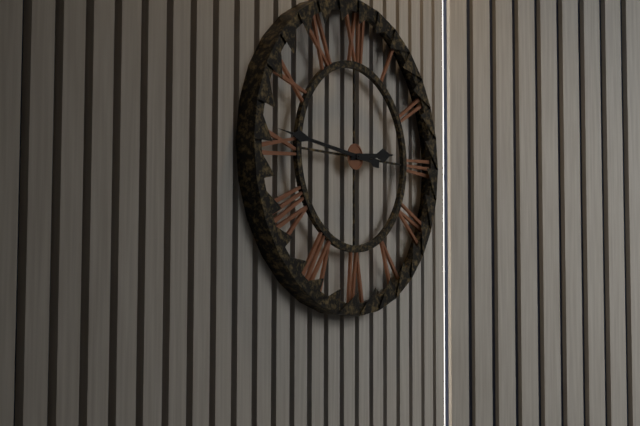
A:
2.46
